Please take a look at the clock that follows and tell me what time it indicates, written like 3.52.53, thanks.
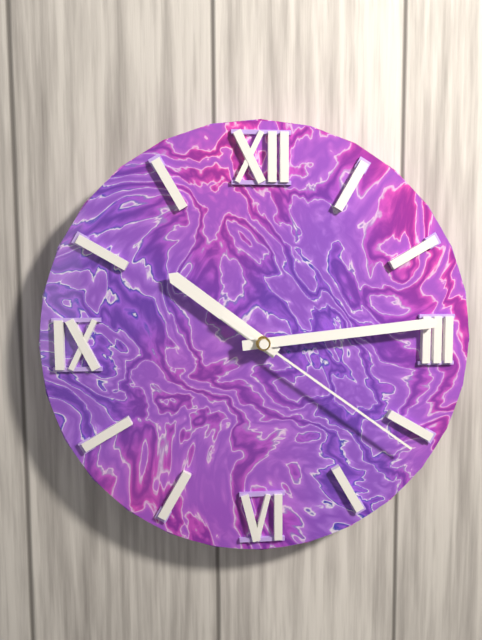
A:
10.14.21
